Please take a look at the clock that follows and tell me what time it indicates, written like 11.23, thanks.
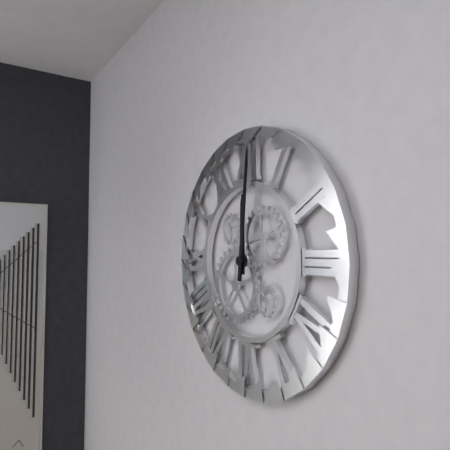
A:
12.01
